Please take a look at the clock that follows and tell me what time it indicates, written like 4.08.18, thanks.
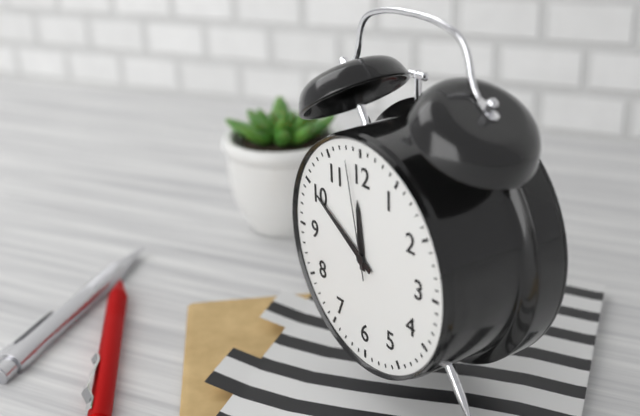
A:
11.50.58
